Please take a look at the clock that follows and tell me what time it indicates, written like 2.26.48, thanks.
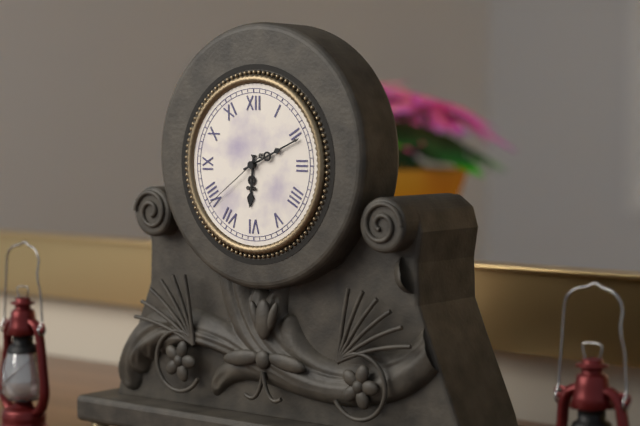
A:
6.11.39
